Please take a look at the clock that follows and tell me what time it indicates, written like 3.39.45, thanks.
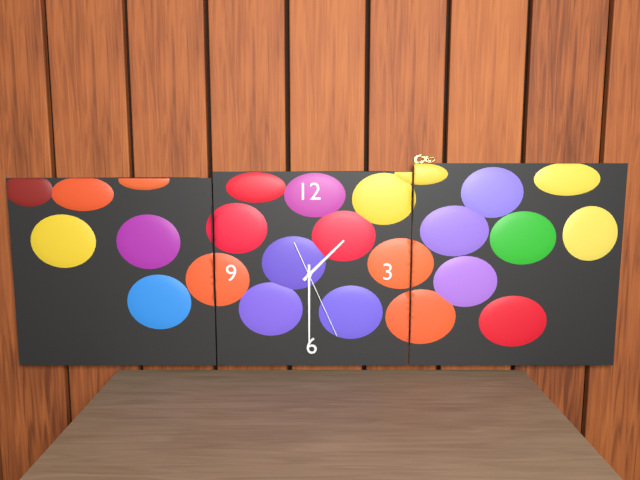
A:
1.30.26
